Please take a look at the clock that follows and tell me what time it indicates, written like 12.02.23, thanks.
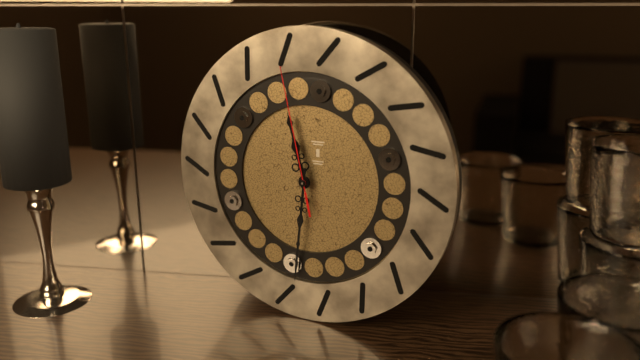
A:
11.31.58
